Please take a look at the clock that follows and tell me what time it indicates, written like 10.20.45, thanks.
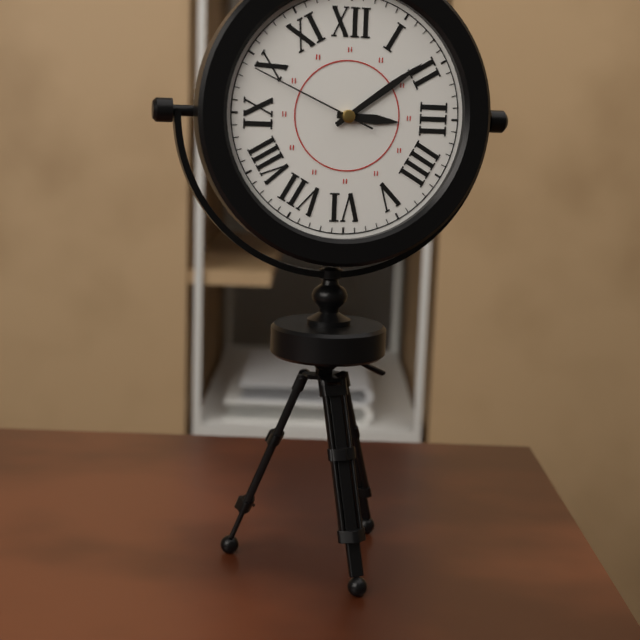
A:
3.09.49
